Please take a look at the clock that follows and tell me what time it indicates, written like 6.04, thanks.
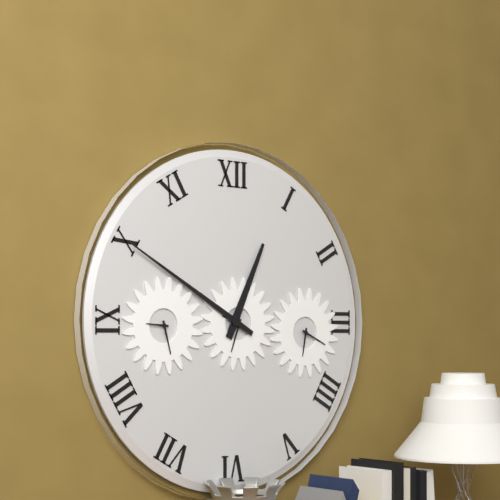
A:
12.50
